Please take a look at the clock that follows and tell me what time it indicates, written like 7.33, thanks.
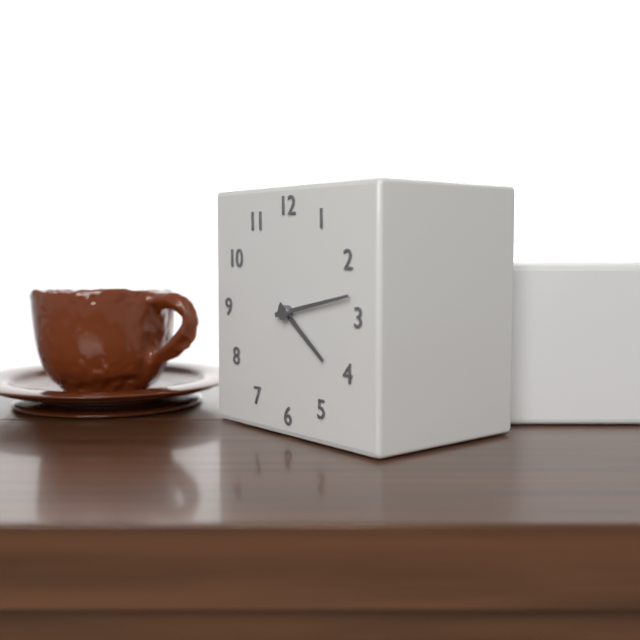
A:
4.13
